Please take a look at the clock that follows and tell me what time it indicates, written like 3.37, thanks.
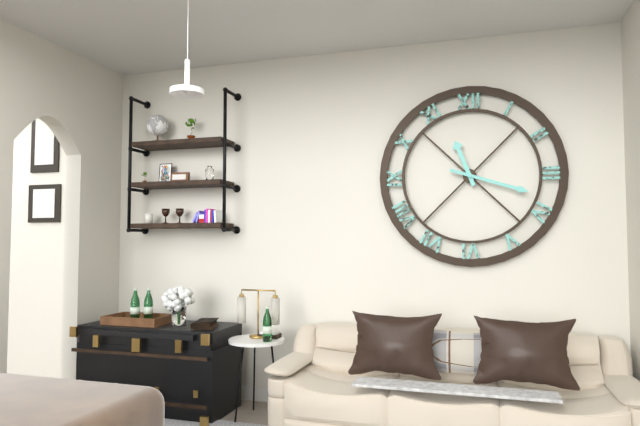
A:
11.18
